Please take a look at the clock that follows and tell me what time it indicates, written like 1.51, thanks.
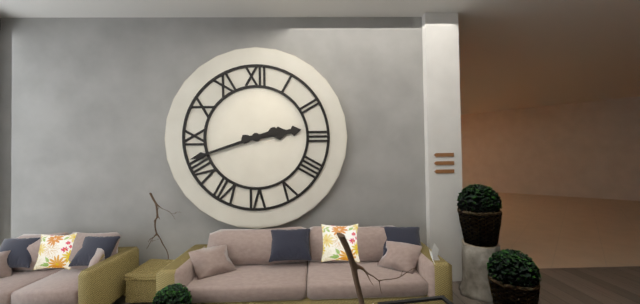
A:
2.42
